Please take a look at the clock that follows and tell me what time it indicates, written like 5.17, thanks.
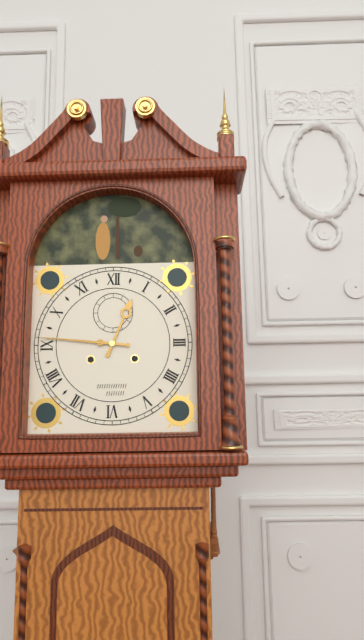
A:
12.46
